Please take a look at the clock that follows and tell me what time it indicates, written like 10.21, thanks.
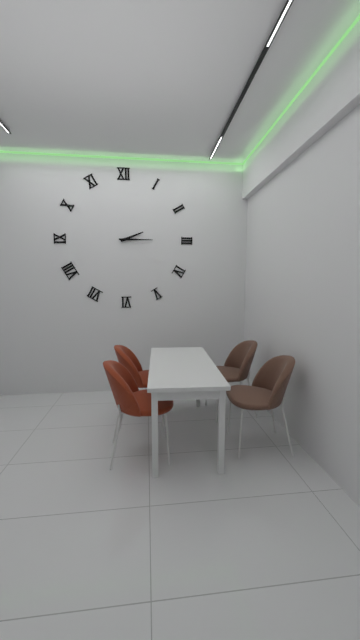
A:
2.15
